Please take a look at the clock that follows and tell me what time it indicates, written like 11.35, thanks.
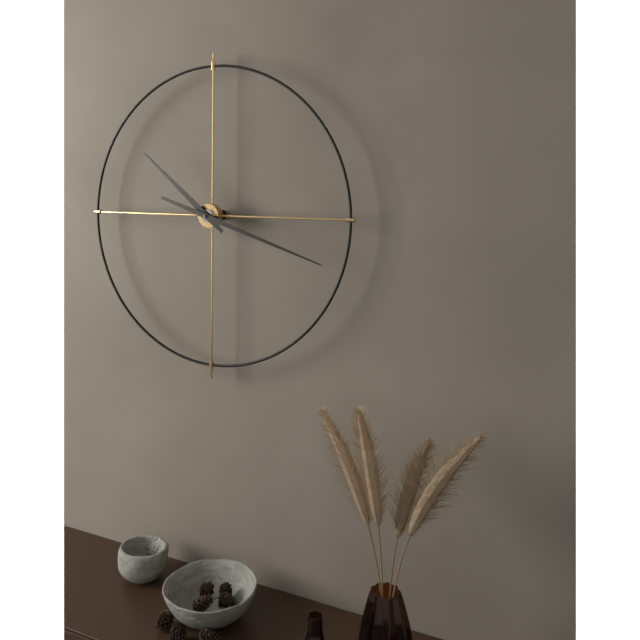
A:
10.18
